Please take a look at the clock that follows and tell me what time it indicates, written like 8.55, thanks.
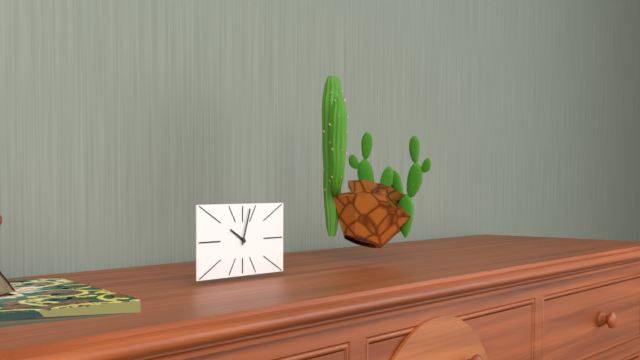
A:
10.03
